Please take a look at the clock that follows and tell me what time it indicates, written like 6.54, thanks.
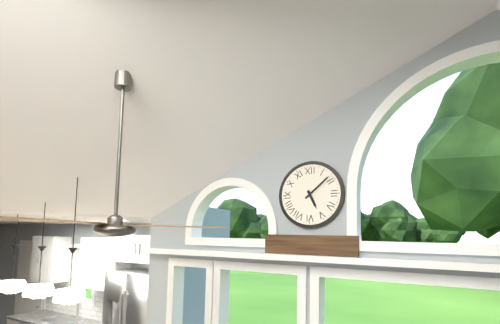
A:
5.08
